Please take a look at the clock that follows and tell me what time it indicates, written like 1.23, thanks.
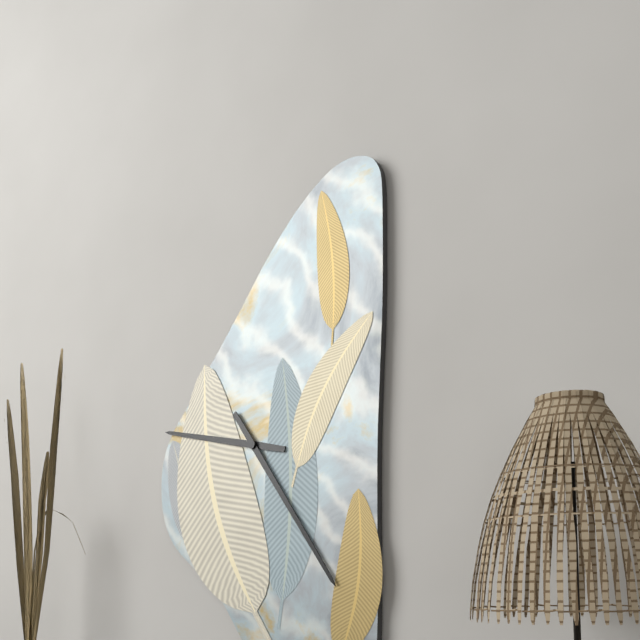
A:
9.24
